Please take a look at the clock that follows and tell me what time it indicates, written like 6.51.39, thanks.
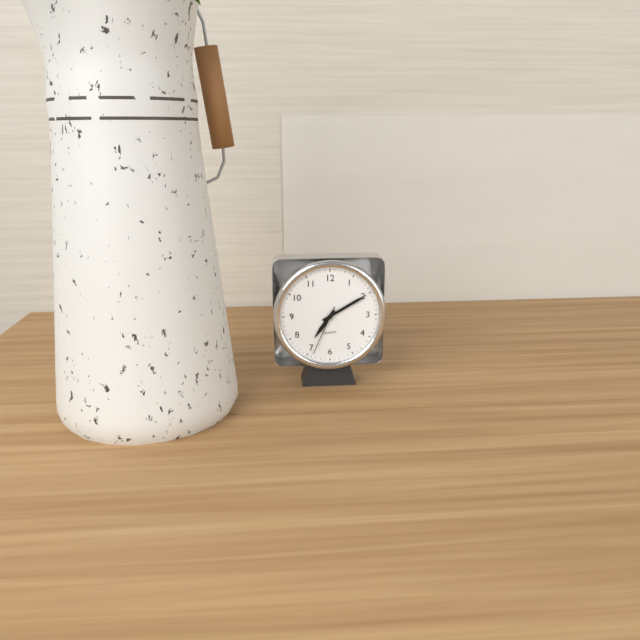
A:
7.10.34
